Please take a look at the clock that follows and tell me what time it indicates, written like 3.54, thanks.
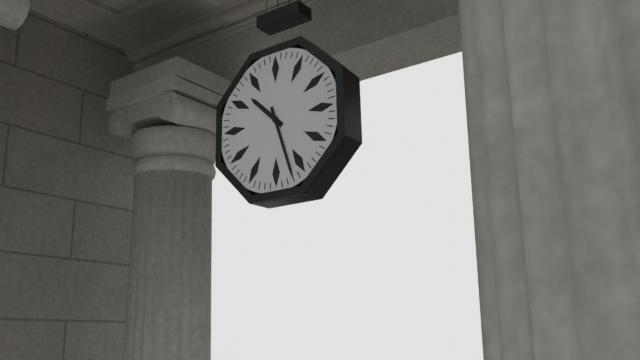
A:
10.27
